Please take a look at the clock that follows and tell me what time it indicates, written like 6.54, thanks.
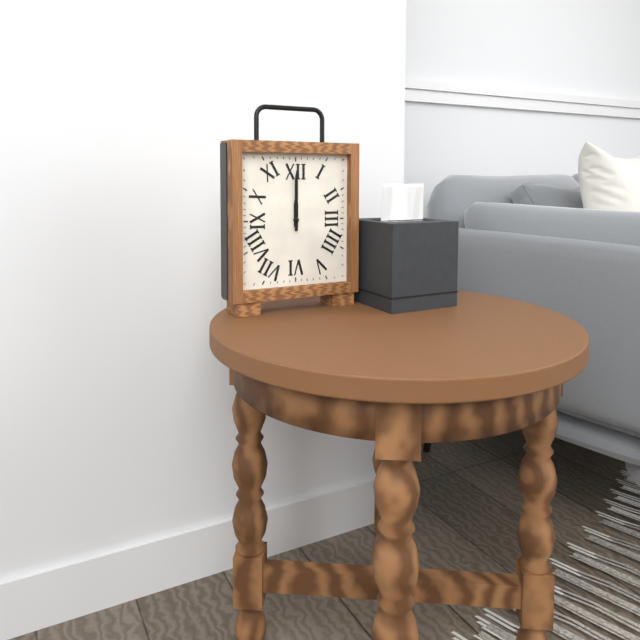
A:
12.00
